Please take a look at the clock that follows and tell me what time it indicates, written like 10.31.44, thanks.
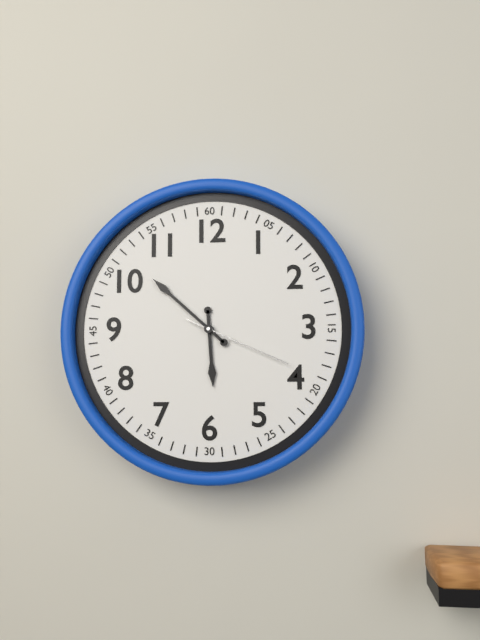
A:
5.52.19
